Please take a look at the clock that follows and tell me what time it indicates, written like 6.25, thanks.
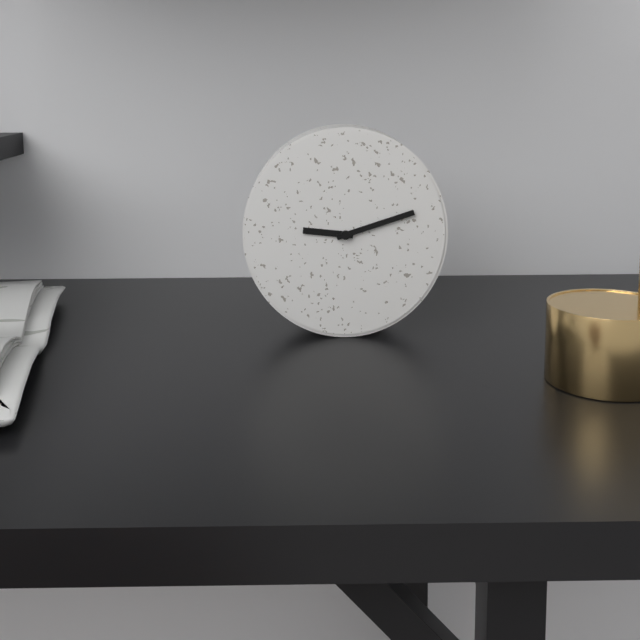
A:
9.12
